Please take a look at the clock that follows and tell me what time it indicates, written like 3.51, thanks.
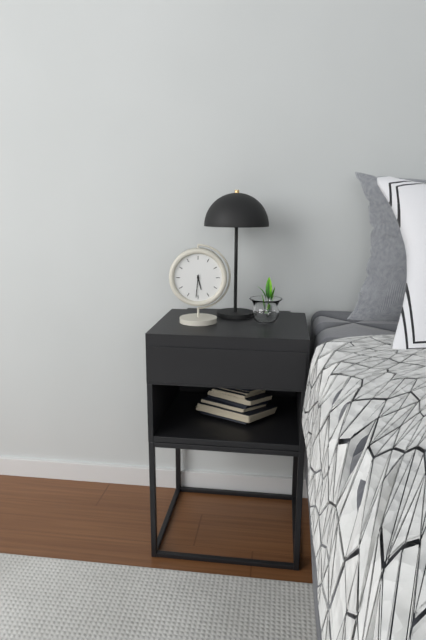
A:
5.31
